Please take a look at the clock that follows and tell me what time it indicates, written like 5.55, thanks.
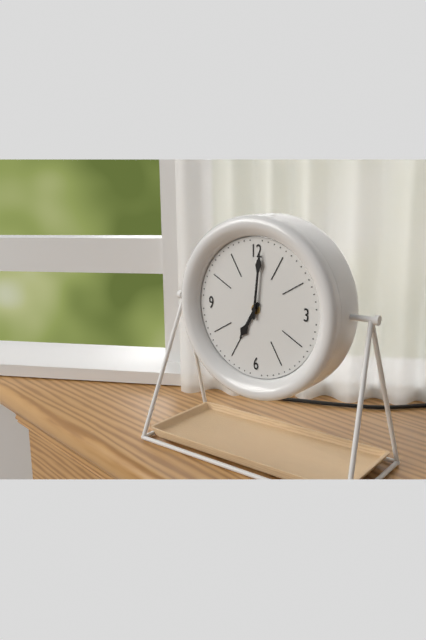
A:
7.01
